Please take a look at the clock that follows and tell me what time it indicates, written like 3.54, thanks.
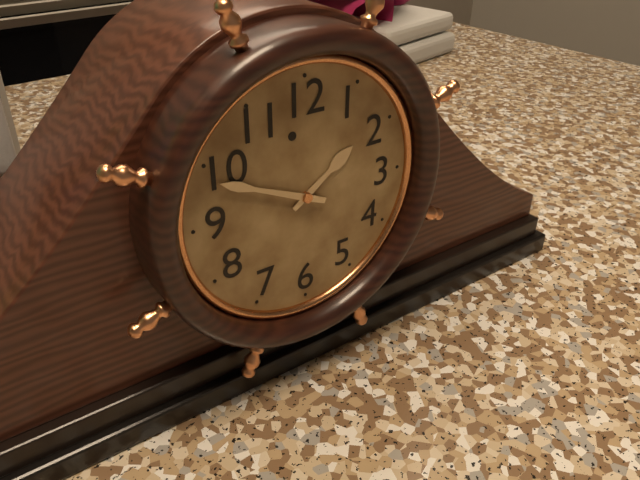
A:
1.49
